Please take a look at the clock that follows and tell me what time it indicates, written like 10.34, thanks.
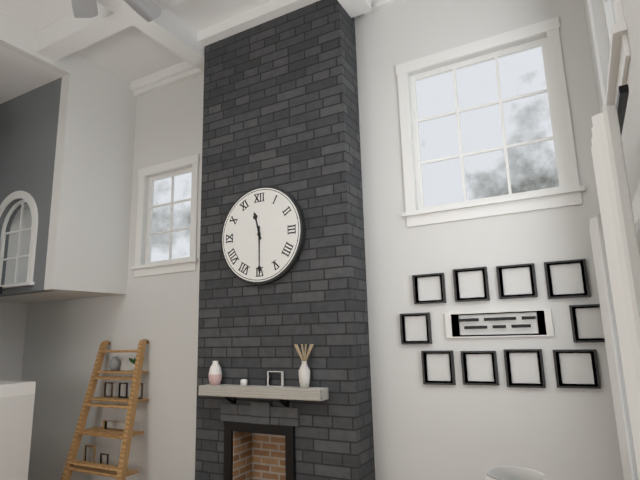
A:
11.30
